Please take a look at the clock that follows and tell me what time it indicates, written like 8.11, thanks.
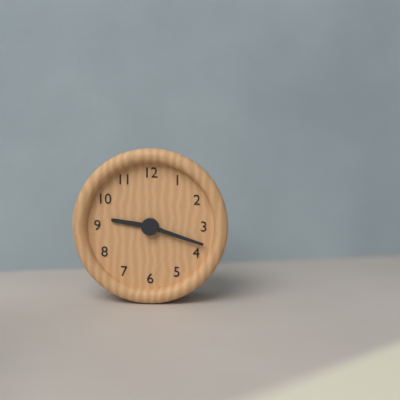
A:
9.18
